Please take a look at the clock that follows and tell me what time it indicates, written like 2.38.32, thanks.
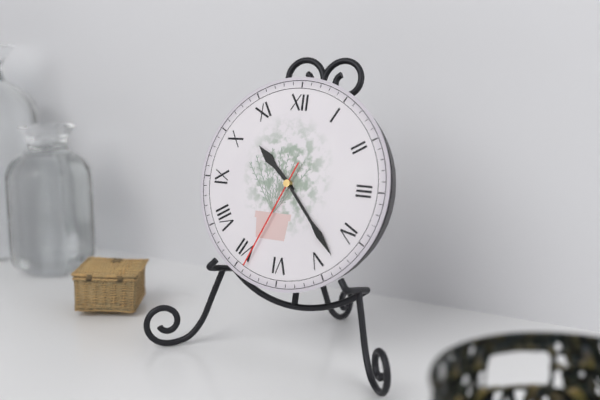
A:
10.23.34
